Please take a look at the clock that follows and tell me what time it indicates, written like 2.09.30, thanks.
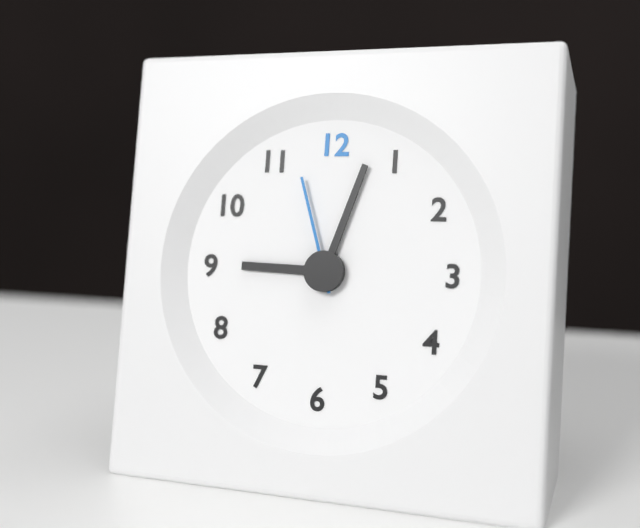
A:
9.03.57
